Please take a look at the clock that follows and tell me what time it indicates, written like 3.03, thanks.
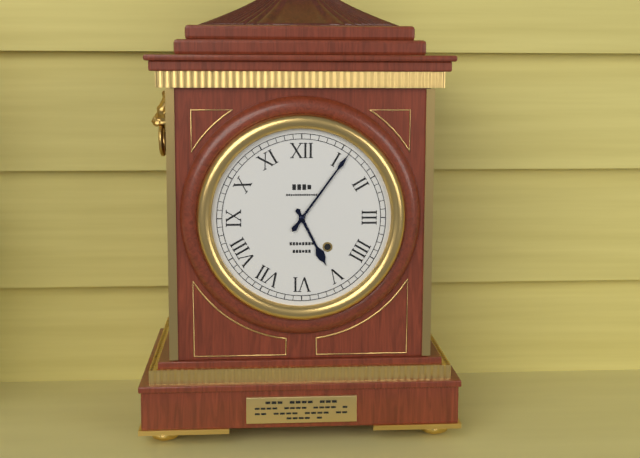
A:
5.06
